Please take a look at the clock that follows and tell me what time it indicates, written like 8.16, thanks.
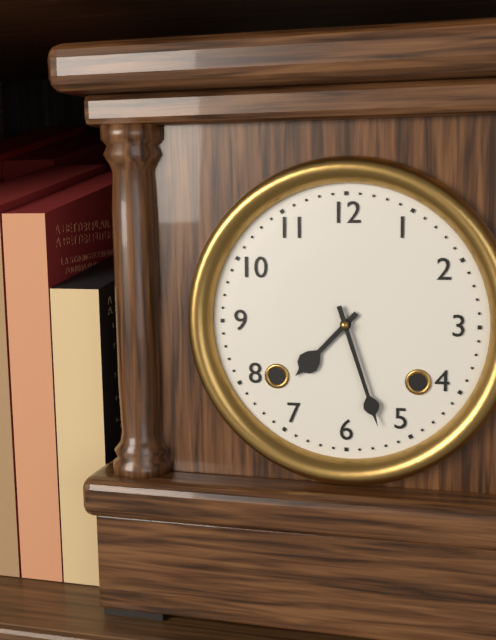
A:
7.27
